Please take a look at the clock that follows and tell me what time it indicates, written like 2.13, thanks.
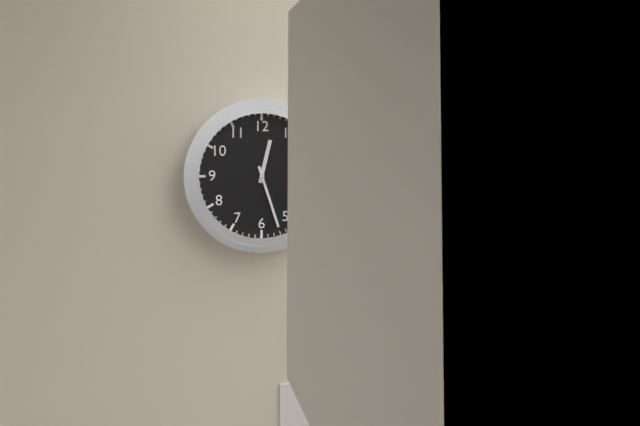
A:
12.27
